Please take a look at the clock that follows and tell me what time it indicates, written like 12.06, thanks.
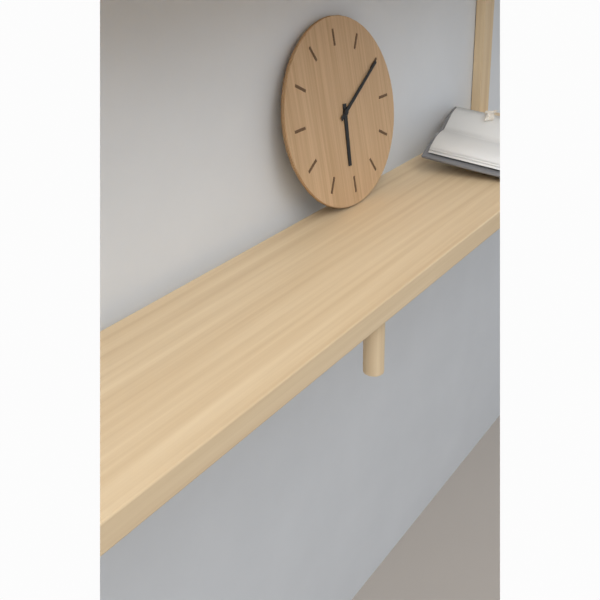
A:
6.10
